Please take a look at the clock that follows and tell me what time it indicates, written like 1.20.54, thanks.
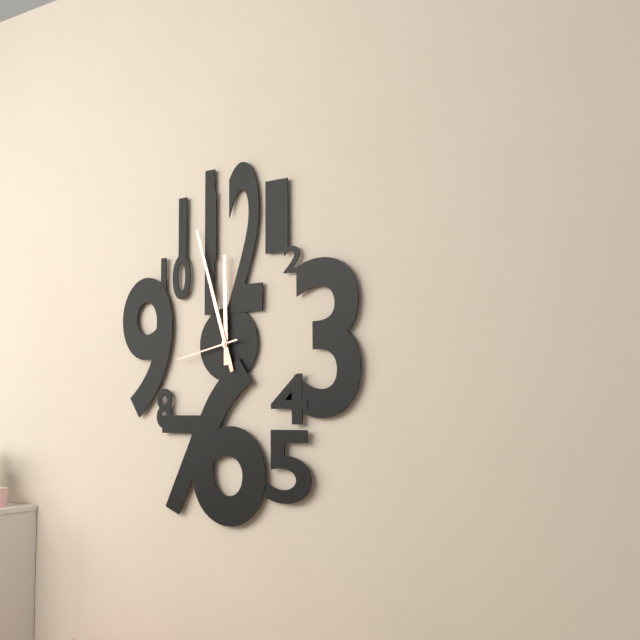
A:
11.57.43
